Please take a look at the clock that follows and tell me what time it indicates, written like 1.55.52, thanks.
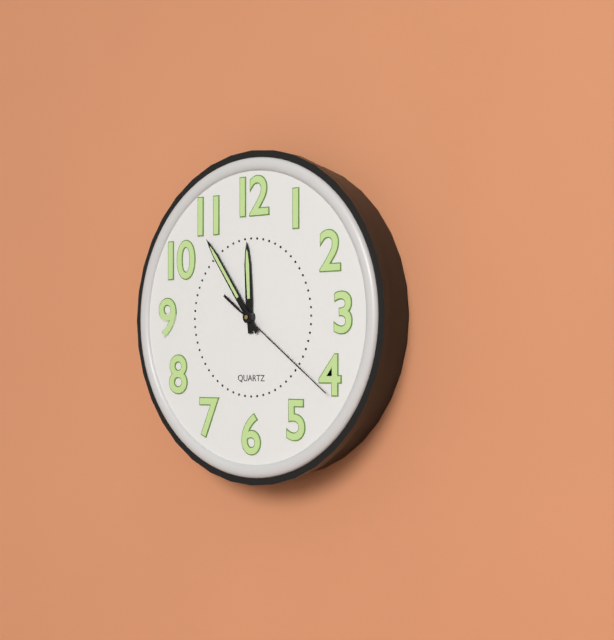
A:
11.54.21
